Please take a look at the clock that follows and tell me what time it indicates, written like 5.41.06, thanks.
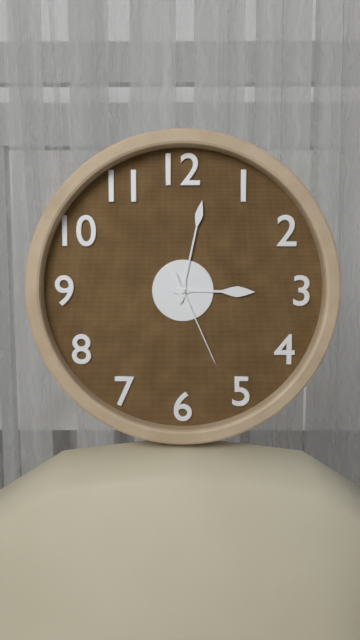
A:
3.02.26
